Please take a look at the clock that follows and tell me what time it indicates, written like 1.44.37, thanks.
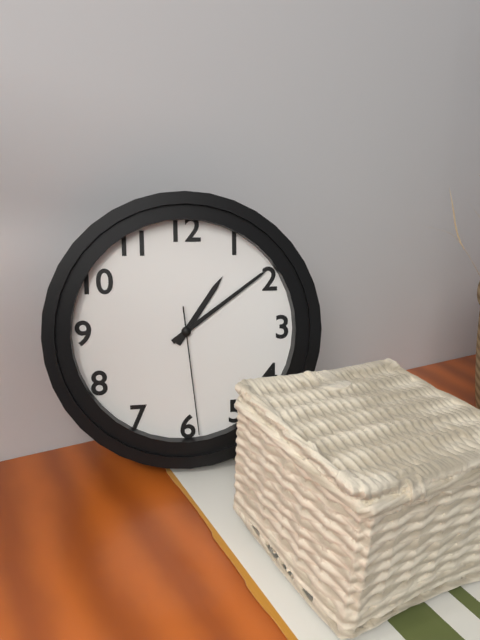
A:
1.09.29
